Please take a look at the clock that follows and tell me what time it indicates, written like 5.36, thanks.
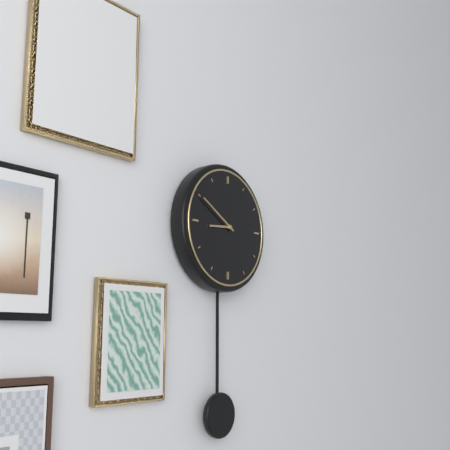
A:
8.50
